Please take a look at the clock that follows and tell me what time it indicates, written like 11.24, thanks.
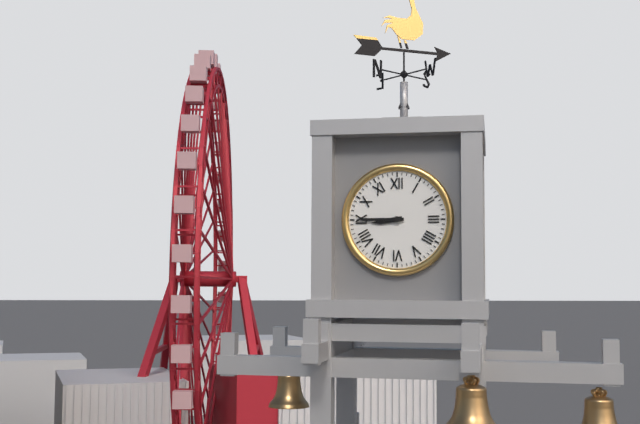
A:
8.45
